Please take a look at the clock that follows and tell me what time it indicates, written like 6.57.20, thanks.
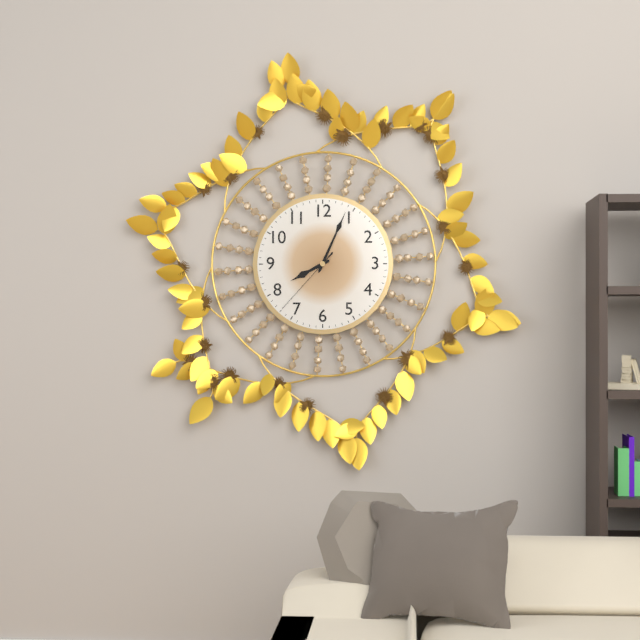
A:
8.04.37
